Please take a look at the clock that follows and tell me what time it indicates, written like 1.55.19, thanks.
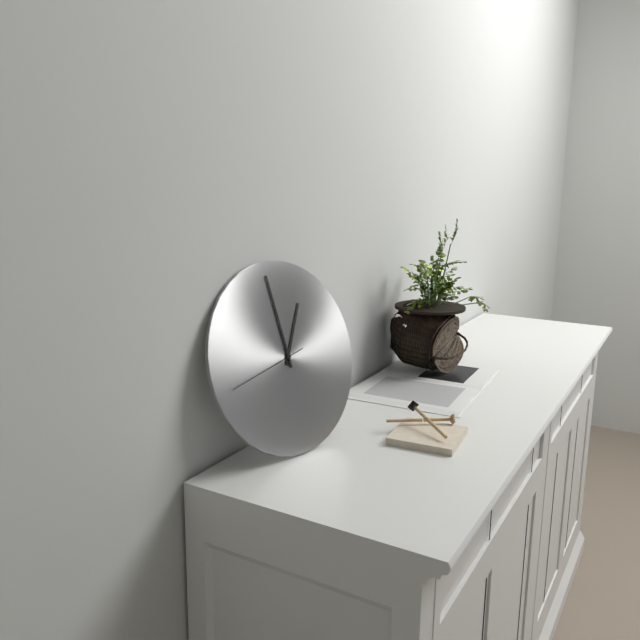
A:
12.59.43
